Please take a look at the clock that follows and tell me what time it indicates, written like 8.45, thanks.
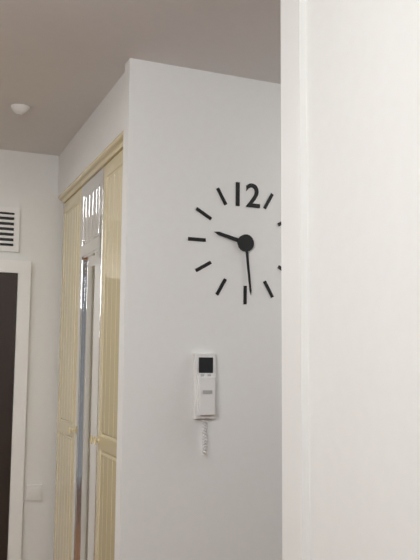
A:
9.29
